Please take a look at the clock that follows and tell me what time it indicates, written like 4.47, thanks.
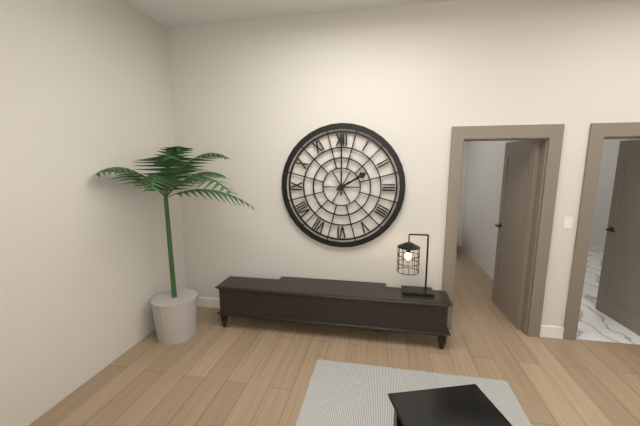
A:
2.00
